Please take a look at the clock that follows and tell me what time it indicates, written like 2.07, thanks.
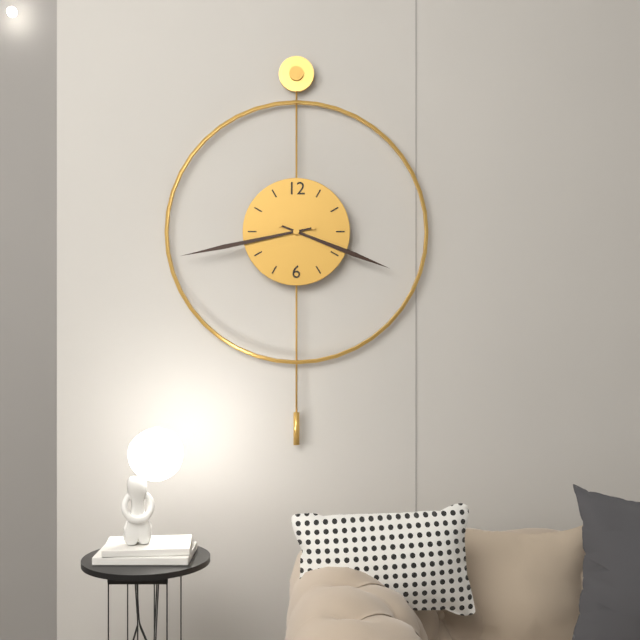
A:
3.43
